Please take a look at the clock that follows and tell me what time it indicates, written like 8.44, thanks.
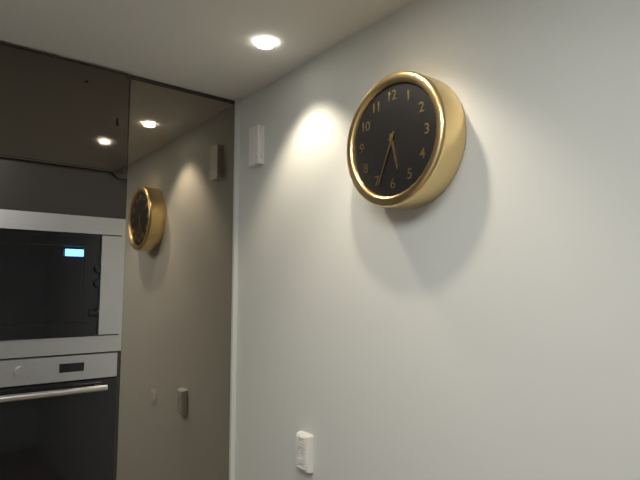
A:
5.34
